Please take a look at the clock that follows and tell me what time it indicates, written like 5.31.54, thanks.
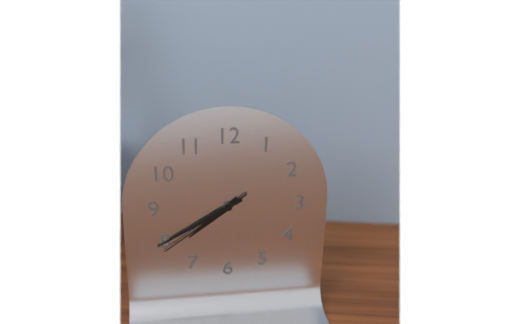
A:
7.40.39
